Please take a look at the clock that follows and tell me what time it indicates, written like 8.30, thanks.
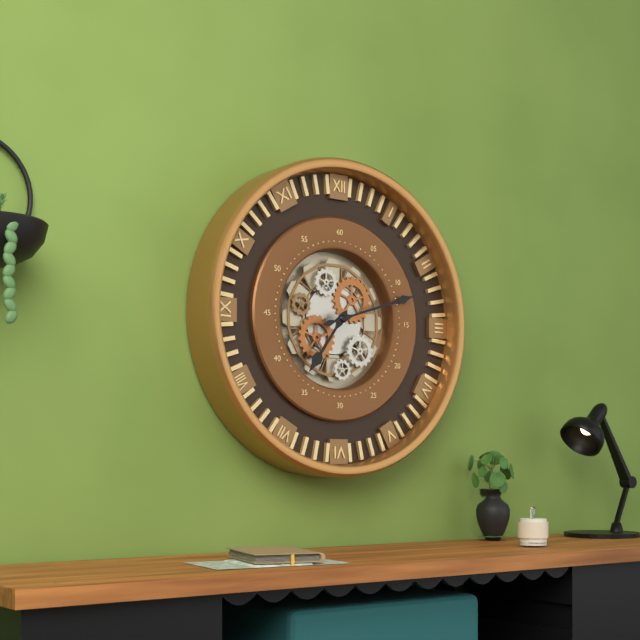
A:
7.12
